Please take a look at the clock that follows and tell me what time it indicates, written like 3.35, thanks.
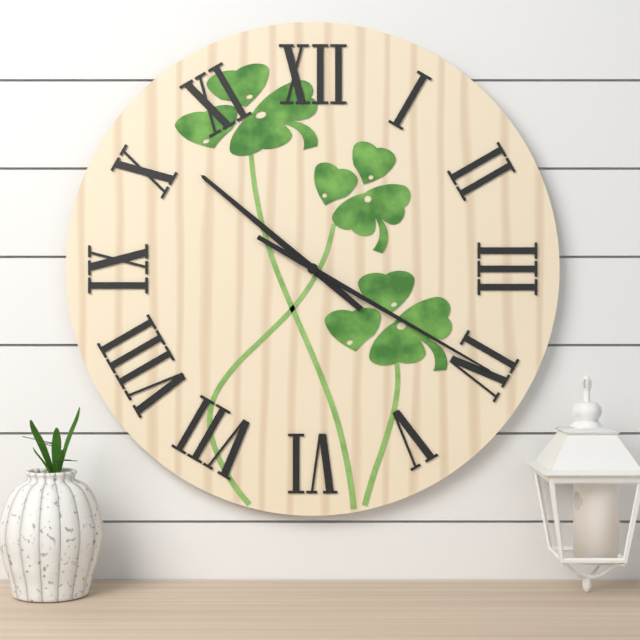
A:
10.20
